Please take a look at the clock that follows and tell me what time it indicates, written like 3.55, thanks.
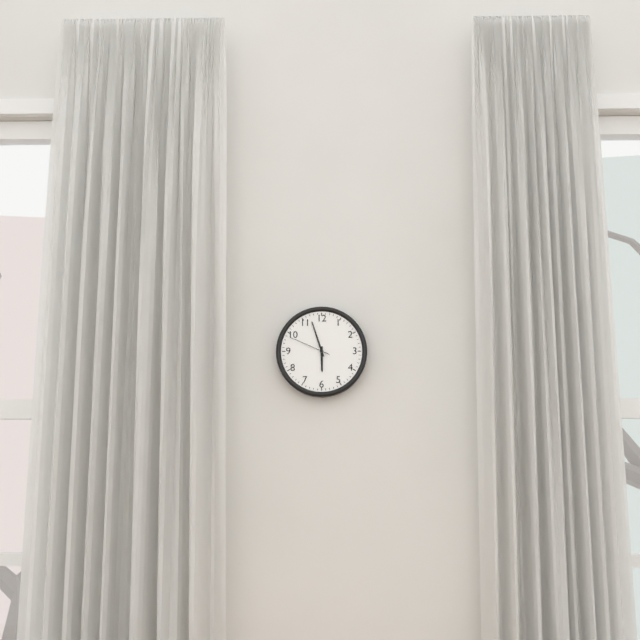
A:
5.57
